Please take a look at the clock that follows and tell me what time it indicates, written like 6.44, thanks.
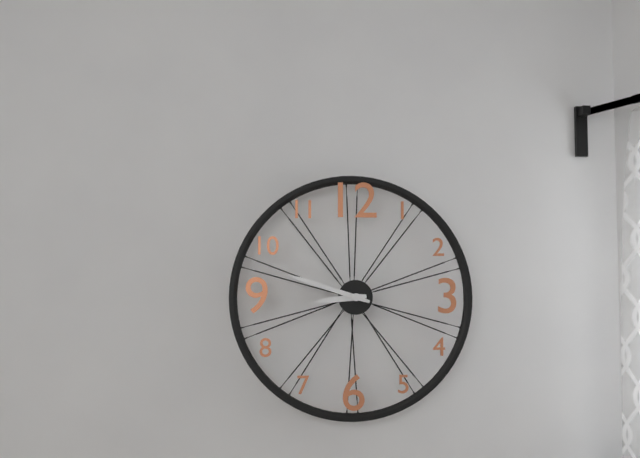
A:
8.48
